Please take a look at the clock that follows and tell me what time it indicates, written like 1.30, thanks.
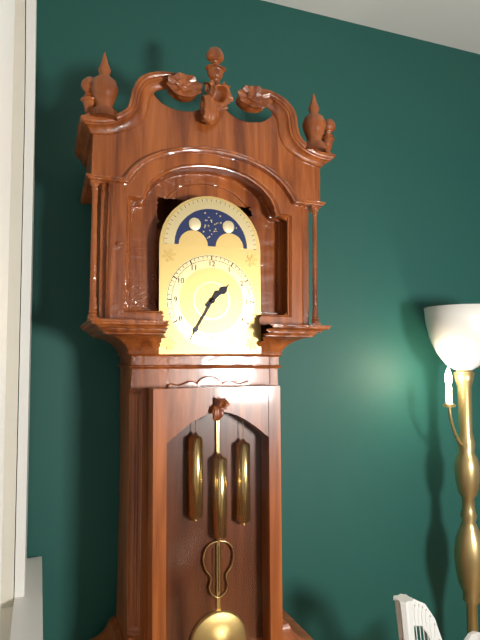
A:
1.35
